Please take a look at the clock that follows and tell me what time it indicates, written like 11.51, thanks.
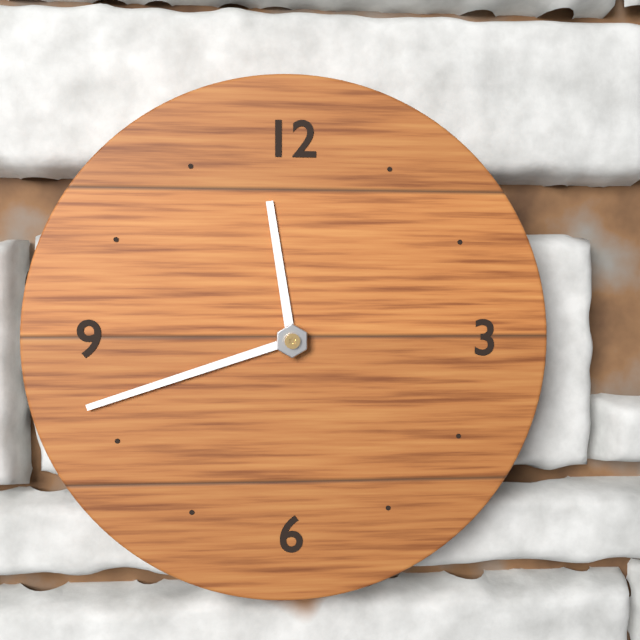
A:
11.42
